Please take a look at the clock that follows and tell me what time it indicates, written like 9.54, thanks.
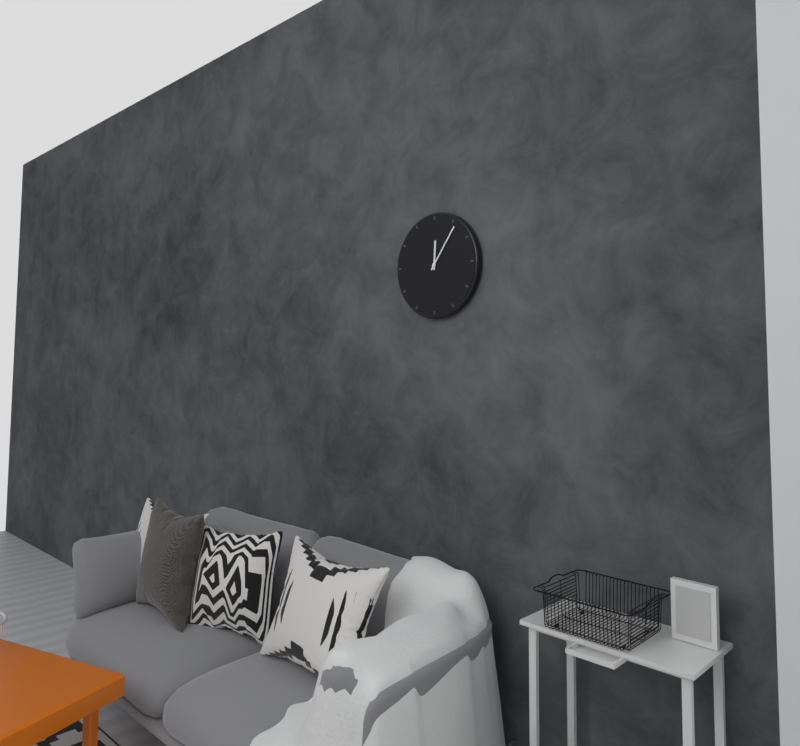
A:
12.06
